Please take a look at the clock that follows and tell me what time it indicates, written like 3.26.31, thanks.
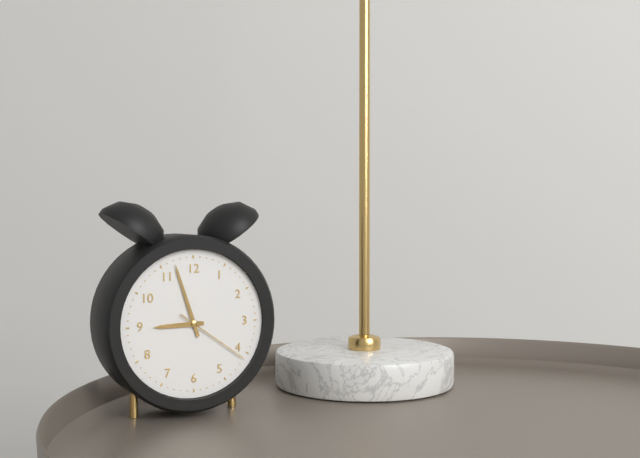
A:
8.57.21
